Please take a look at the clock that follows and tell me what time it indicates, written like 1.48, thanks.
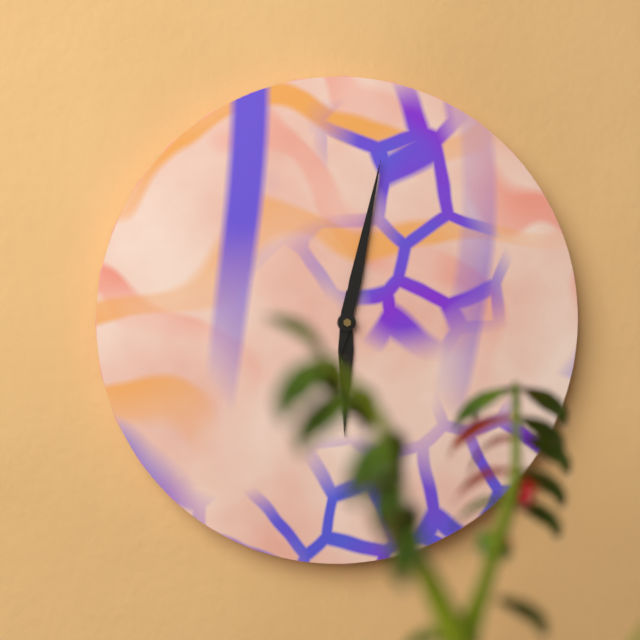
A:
6.02
